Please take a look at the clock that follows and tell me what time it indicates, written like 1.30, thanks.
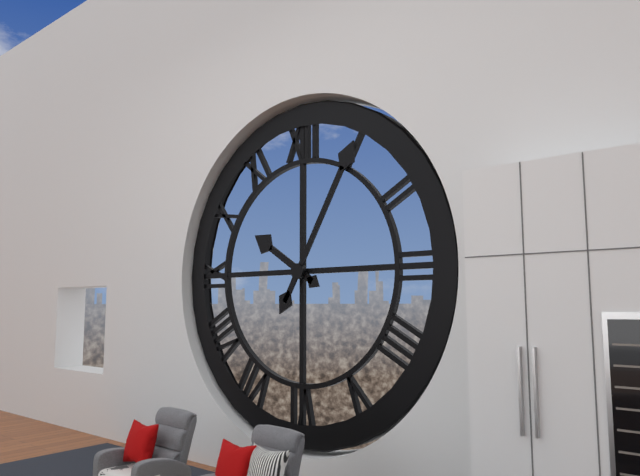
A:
10.05
